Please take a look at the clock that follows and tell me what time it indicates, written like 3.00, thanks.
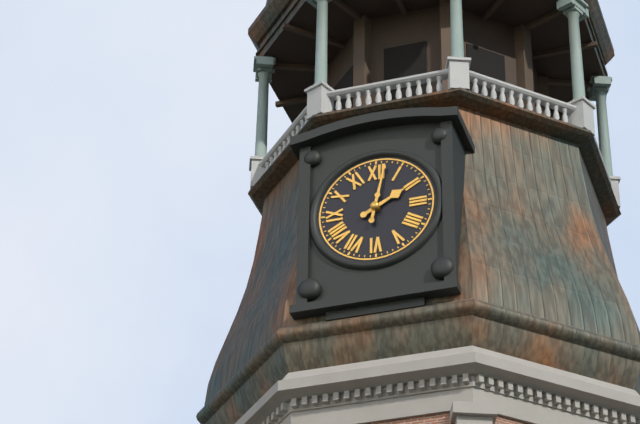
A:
2.02
